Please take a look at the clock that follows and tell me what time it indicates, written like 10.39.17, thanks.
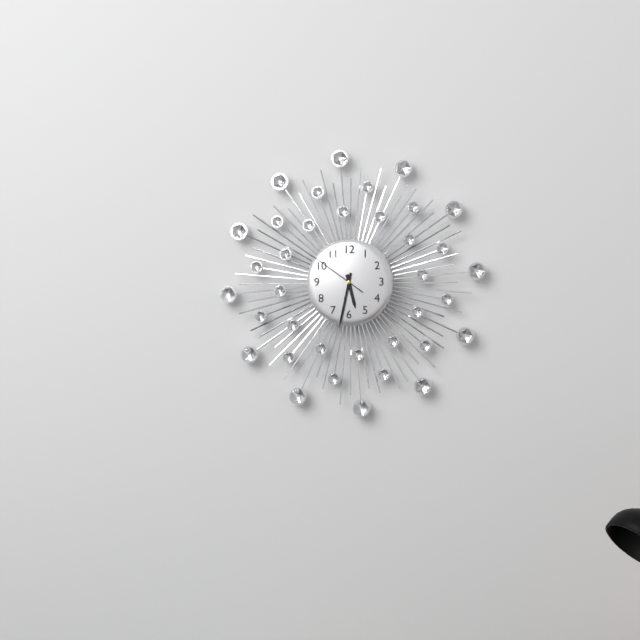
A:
5.32.51
